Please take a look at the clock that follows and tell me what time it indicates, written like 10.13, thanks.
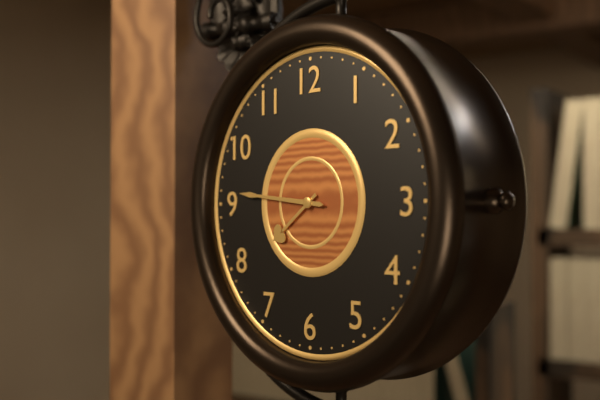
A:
7.46
